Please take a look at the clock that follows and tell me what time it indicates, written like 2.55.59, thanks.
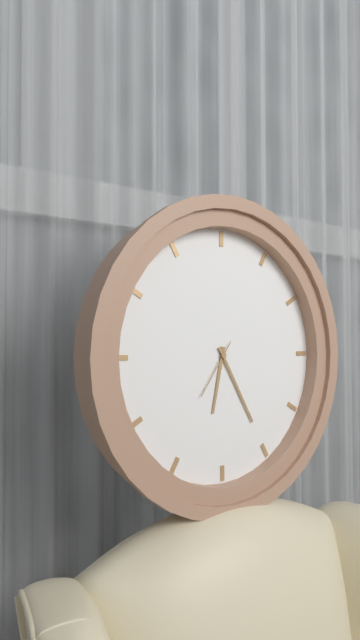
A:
6.25.36
